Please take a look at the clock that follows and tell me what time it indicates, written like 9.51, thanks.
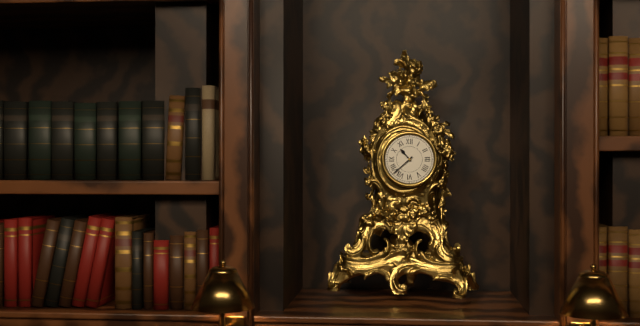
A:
10.38
